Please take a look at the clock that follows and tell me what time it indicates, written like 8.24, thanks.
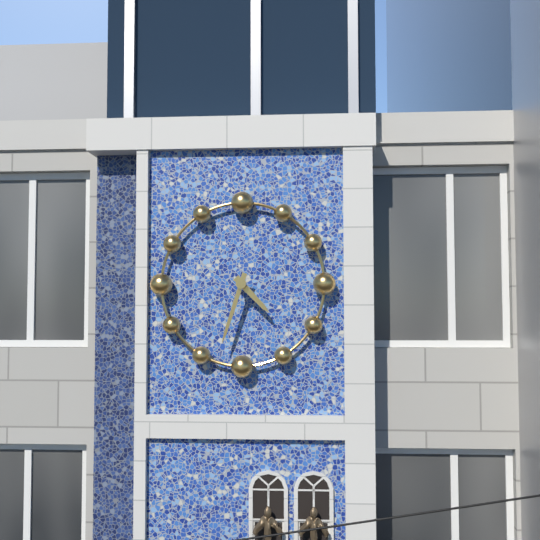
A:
4.33
